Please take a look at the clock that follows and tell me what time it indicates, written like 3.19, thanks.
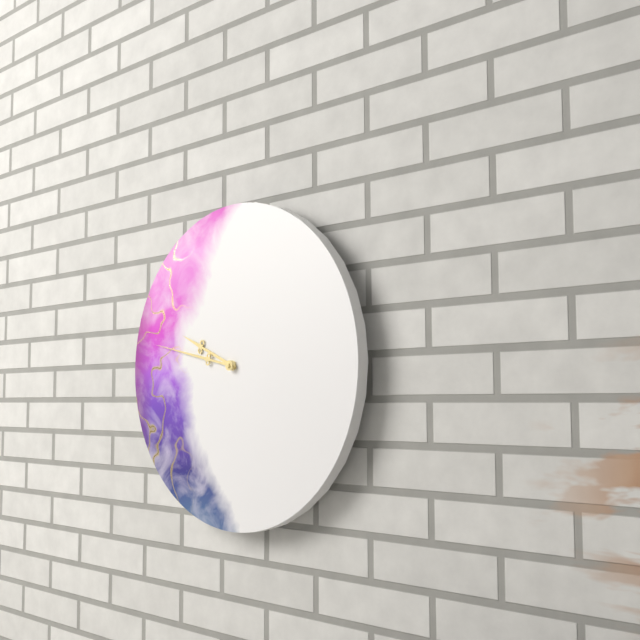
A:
9.47
